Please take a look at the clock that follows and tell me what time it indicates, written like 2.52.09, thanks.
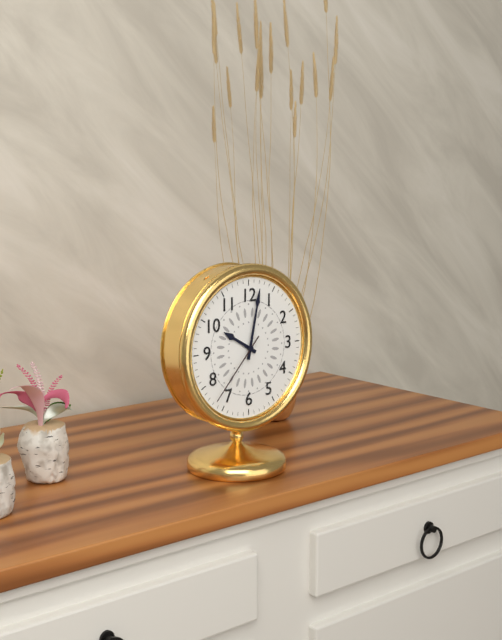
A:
10.02.37
